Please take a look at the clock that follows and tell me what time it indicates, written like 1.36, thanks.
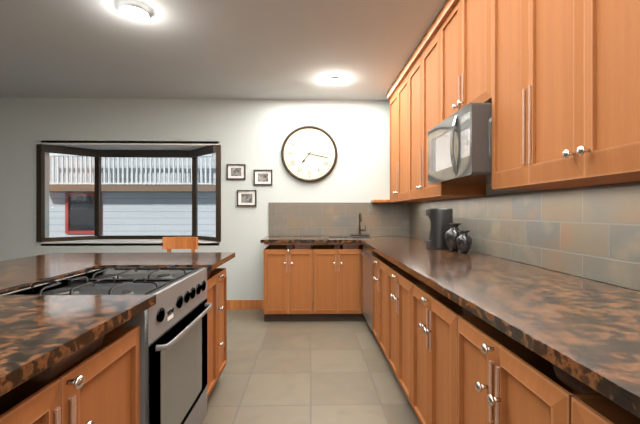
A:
7.17
